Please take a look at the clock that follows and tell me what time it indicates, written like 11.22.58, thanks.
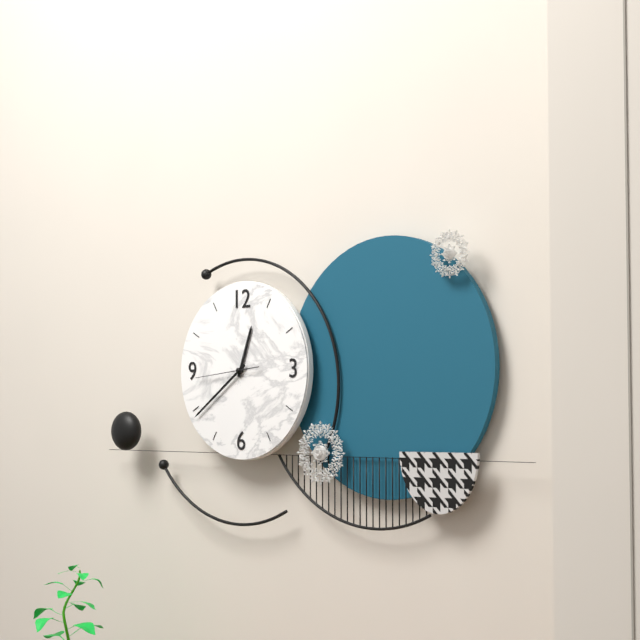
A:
12.39.44
